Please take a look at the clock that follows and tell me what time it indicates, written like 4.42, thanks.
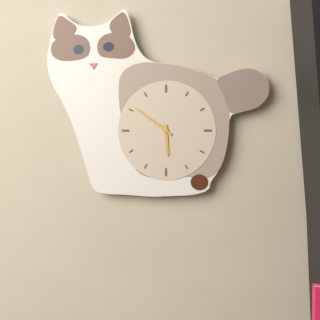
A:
5.51
